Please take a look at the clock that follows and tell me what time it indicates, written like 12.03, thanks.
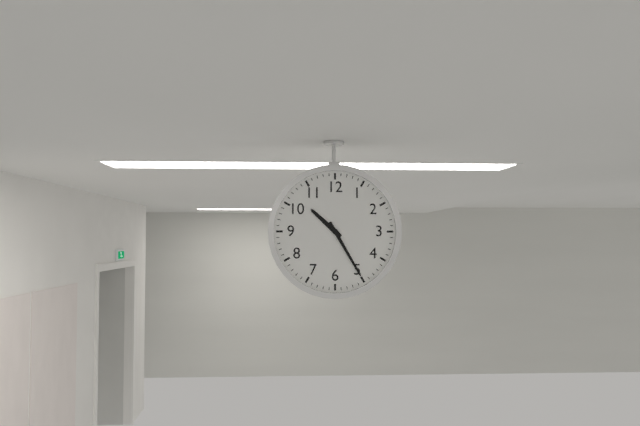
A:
10.25
